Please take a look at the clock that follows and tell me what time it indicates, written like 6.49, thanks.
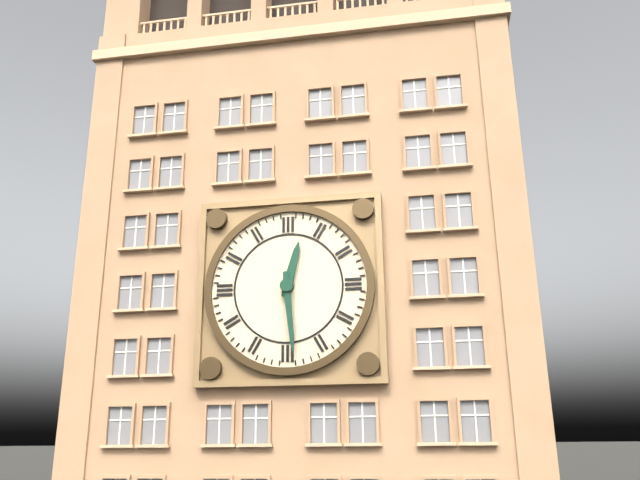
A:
12.29
